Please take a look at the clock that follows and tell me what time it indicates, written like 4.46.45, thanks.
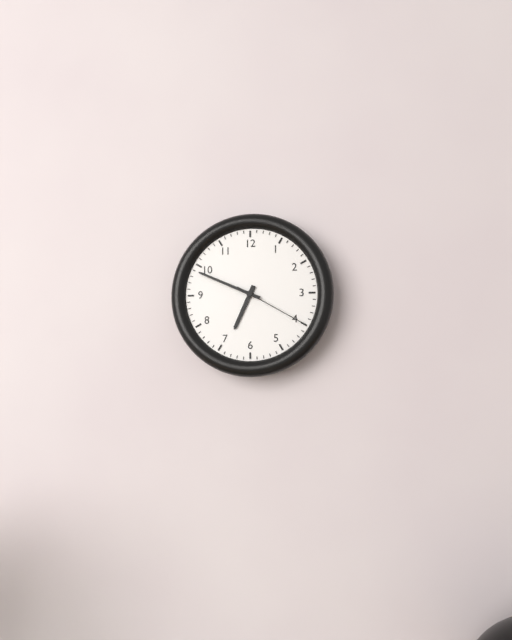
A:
6.49.20
